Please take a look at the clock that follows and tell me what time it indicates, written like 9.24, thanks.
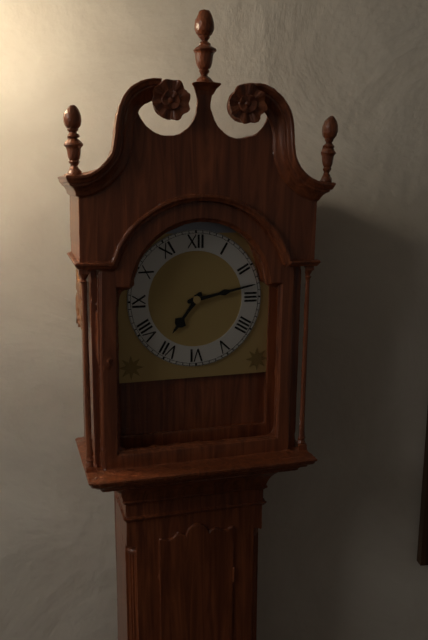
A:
7.13
